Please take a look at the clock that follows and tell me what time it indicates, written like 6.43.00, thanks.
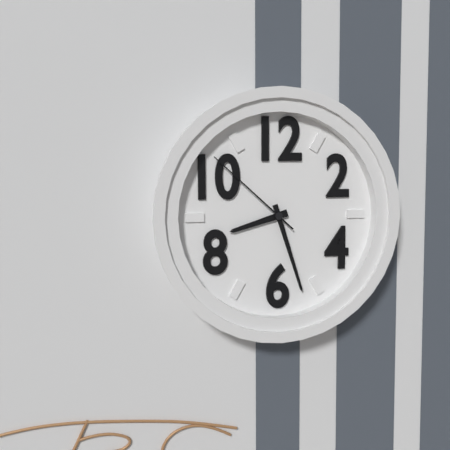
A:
8.27.52
